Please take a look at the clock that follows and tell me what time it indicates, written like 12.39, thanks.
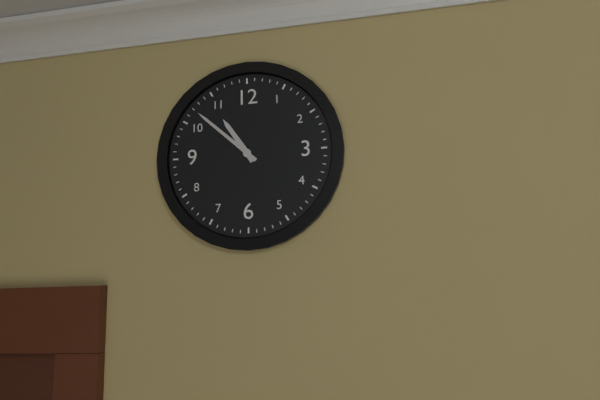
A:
10.52
